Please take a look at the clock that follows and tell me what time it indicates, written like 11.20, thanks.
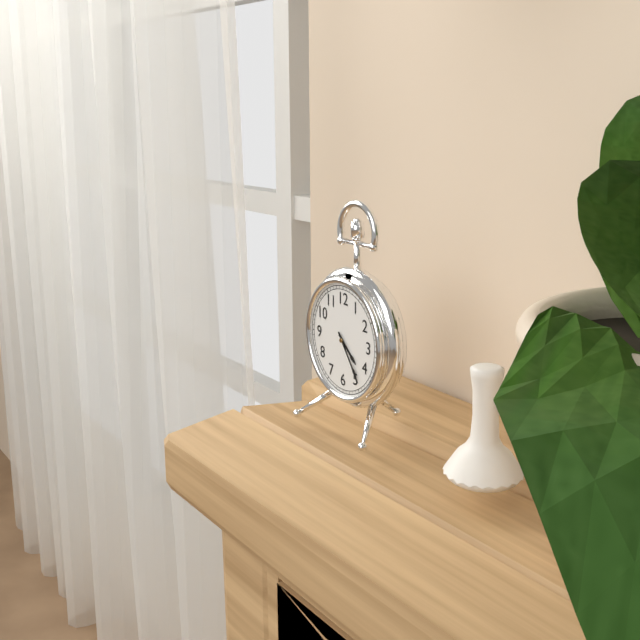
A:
4.24
